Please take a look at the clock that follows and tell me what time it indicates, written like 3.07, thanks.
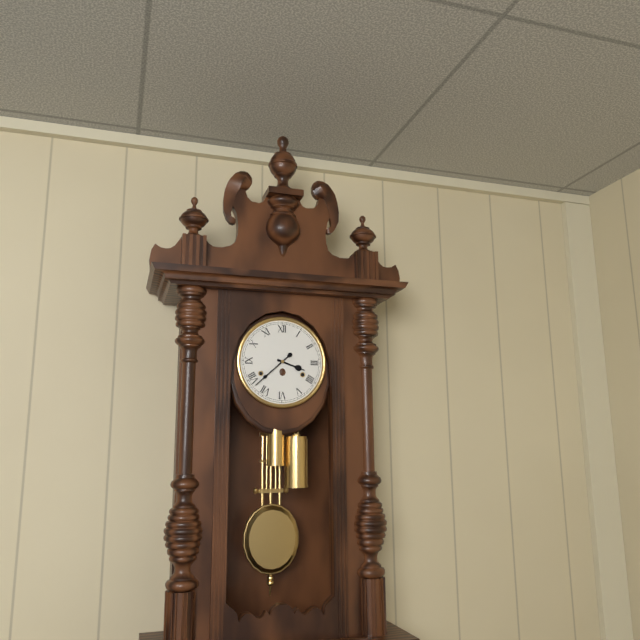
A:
3.38
